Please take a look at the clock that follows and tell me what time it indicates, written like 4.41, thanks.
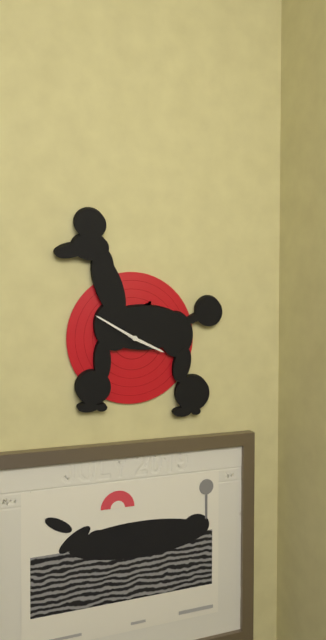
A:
3.50
